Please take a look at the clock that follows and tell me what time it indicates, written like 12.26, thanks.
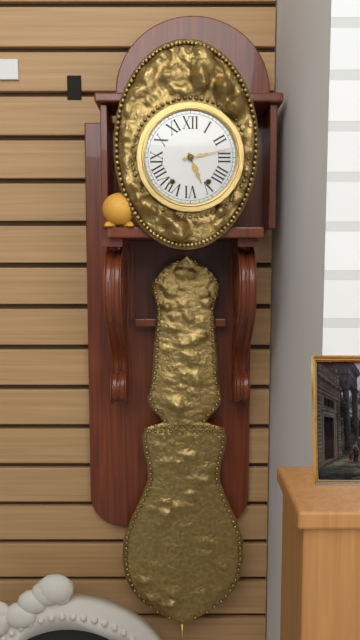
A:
5.13
